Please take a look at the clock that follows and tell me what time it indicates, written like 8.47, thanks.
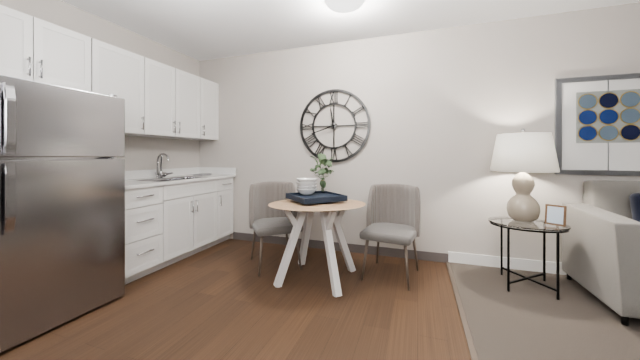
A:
11.42
